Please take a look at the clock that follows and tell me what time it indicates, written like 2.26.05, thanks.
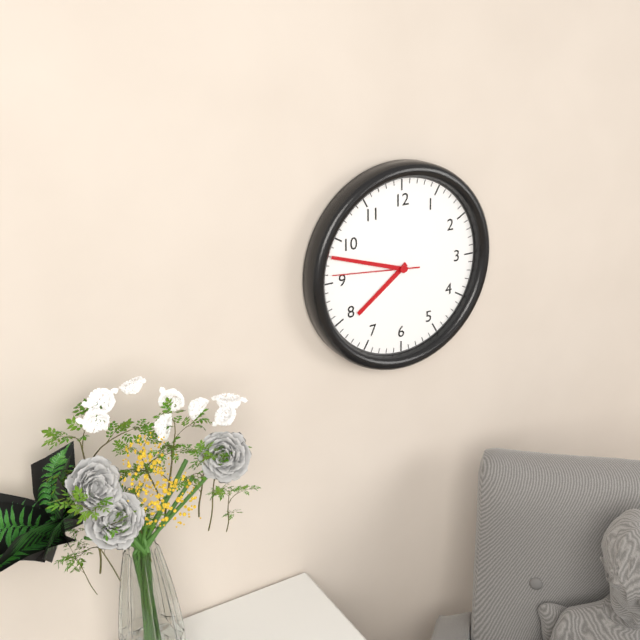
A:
7.48.46
